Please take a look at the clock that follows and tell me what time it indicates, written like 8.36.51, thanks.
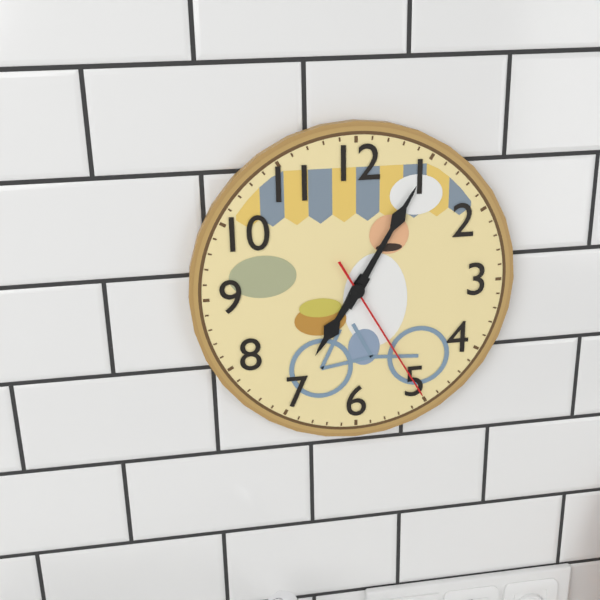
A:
7.05.25
